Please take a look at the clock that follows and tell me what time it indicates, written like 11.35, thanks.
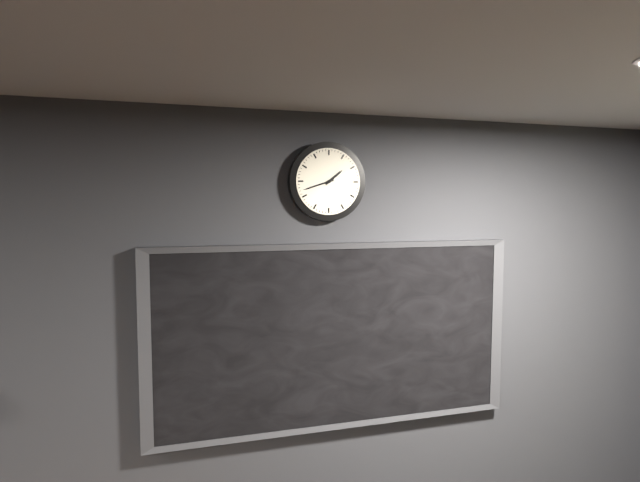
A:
1.42
